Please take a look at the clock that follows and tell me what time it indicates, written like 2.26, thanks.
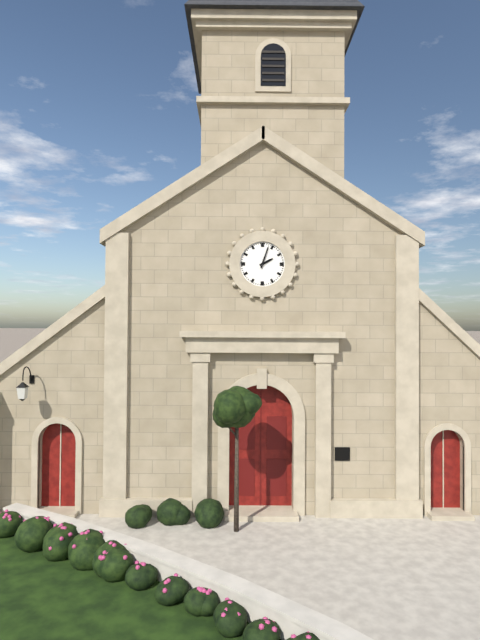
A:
2.03
